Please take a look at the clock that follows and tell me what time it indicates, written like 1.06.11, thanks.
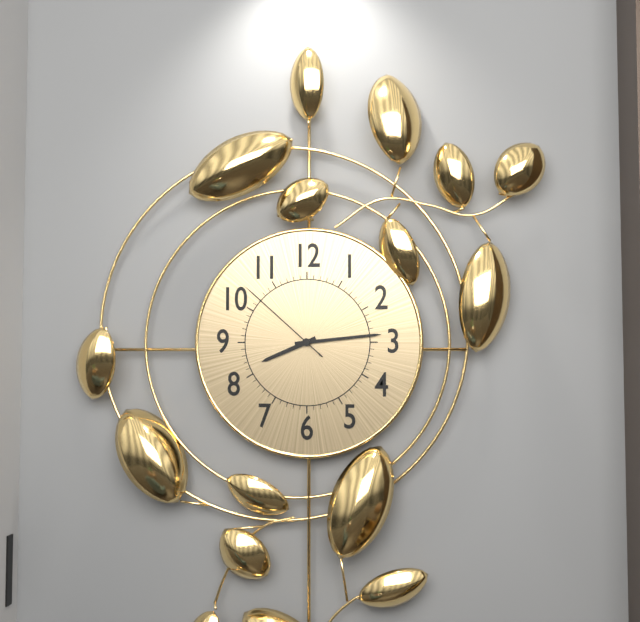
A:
8.14.52
